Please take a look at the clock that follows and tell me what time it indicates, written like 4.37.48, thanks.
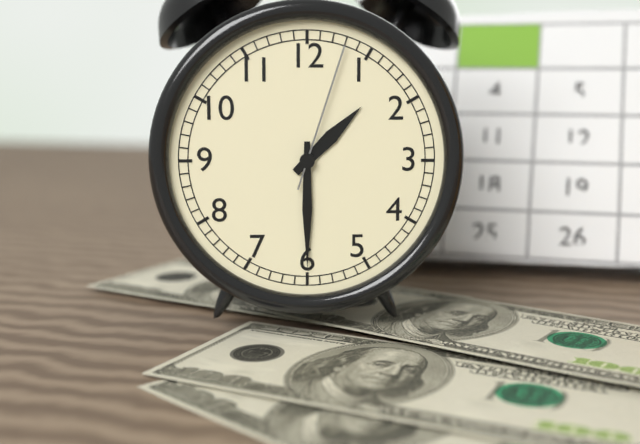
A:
1.30.03
